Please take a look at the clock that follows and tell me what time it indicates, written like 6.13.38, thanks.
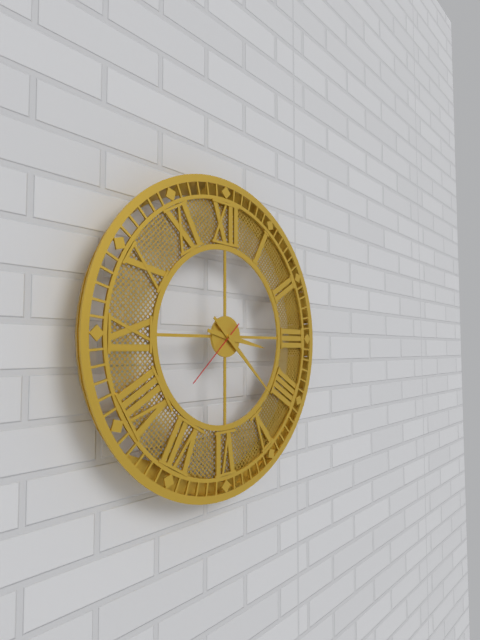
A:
3.22.38
